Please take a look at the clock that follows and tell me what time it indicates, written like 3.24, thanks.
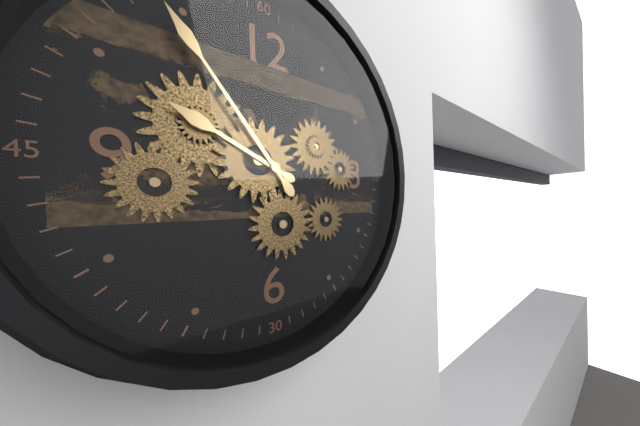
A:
9.54
